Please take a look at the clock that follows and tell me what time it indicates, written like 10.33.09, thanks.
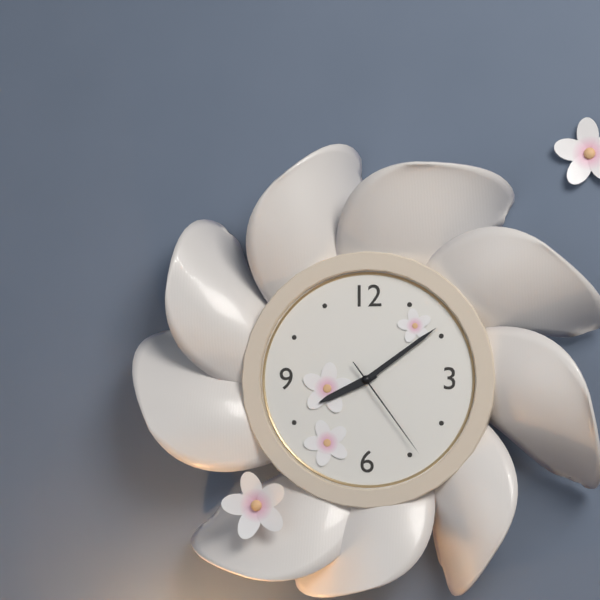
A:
8.09.24
